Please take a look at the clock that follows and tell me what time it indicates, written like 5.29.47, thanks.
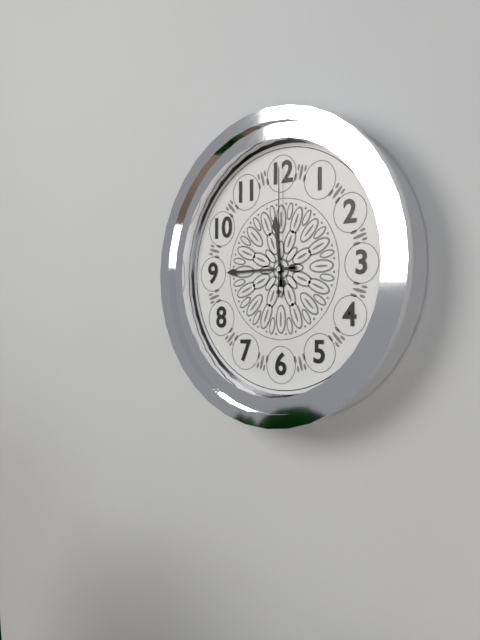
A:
11.45.00
